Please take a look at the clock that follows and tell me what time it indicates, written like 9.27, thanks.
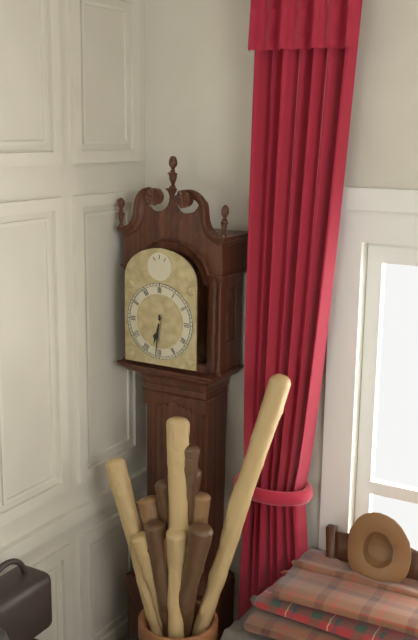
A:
6.31
